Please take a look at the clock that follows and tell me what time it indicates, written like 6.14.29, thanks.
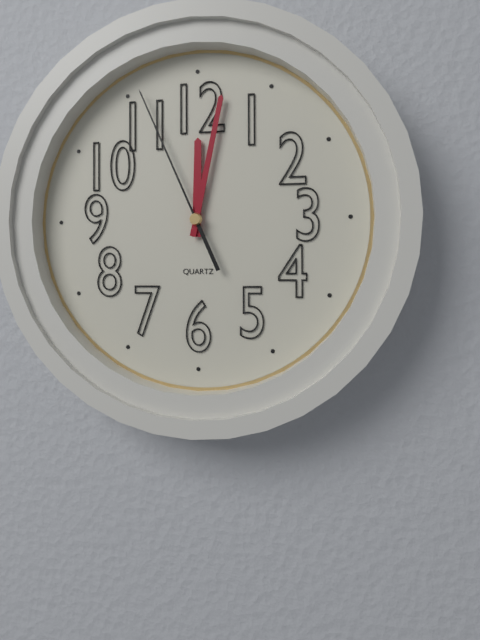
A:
12.02.56
